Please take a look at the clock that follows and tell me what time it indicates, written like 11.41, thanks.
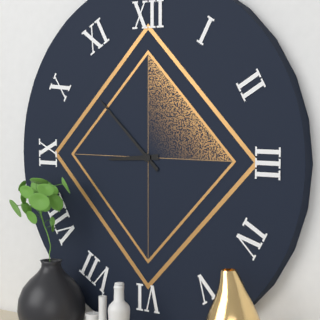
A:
8.52
